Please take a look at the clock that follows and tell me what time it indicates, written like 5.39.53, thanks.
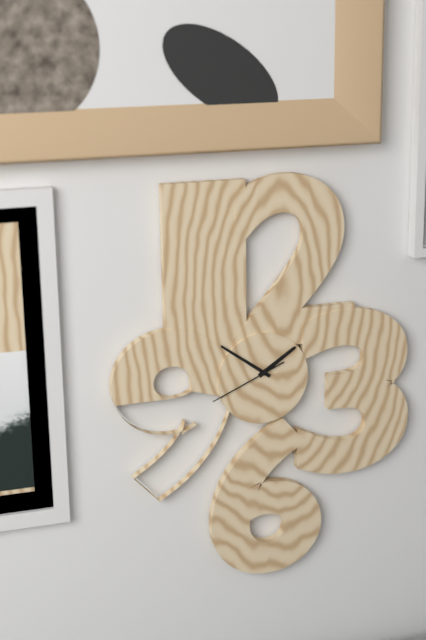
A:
1.51.41
